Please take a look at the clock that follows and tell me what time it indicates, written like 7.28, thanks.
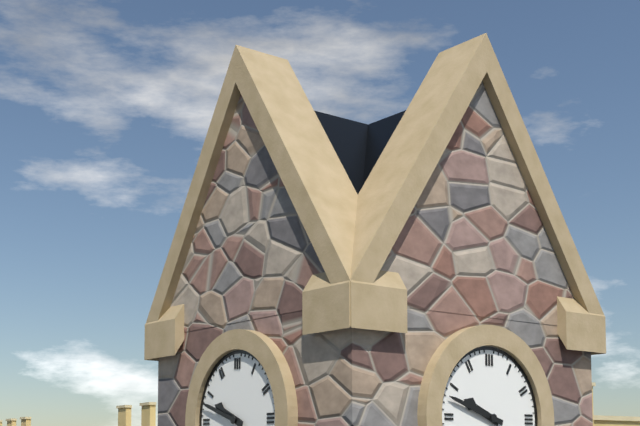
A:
9.48
